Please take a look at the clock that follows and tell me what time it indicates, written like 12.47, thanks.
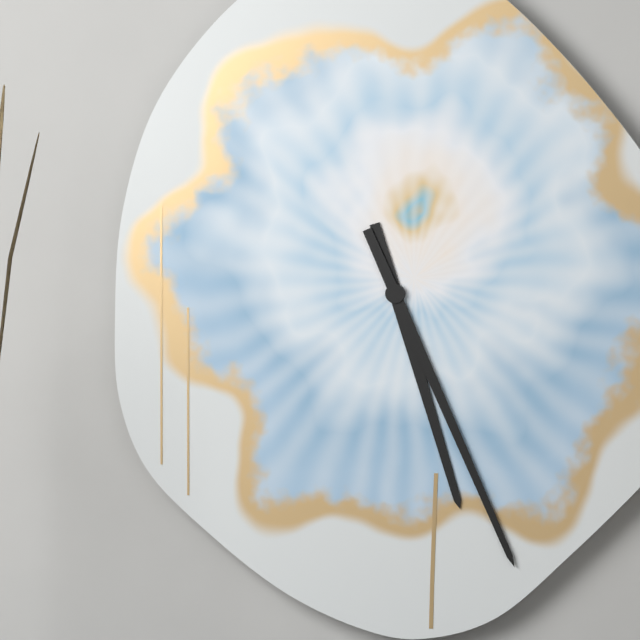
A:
5.26
